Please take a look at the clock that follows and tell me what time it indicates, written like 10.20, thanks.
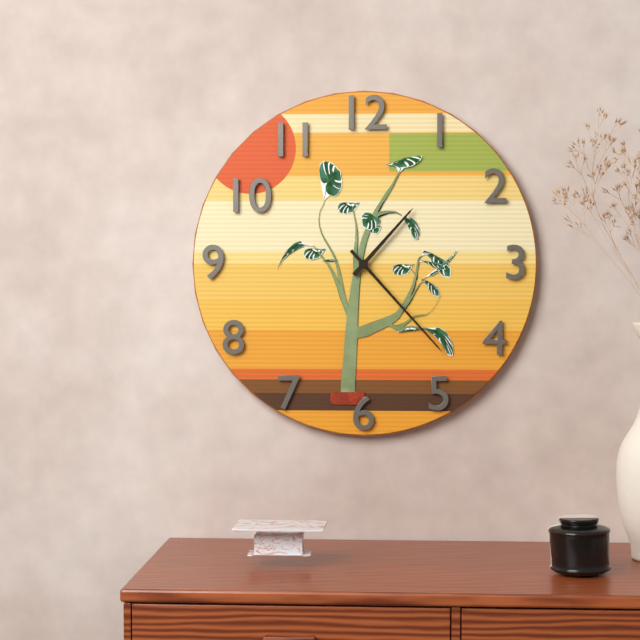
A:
1.23
